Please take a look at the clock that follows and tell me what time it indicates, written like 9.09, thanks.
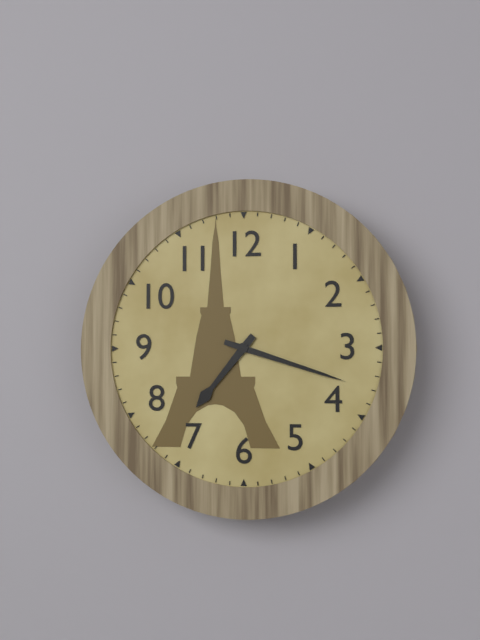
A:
7.18
